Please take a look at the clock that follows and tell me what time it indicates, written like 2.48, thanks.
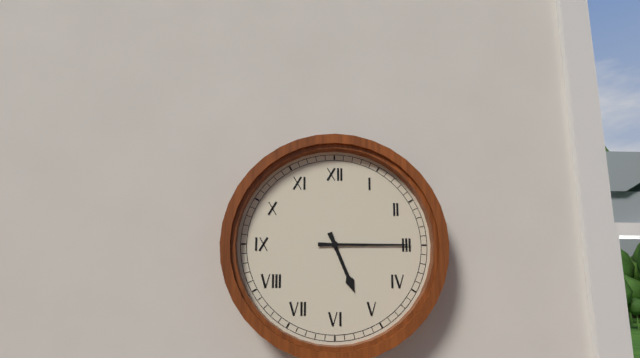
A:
5.15
